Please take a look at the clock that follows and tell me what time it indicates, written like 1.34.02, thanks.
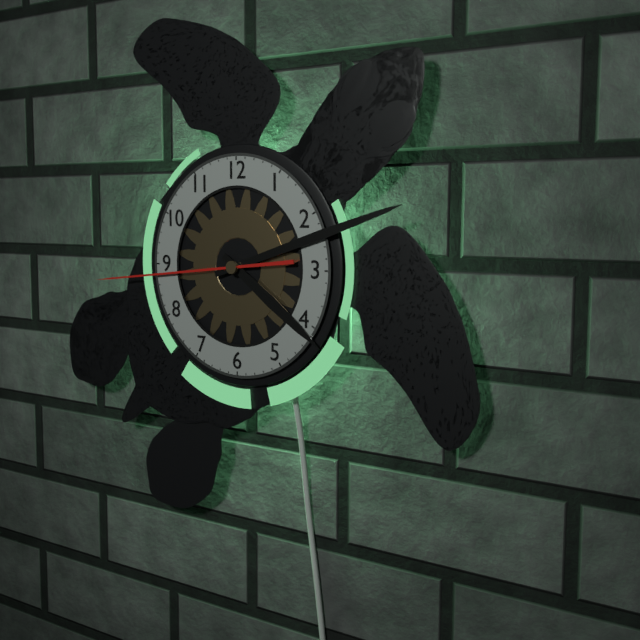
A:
4.12.44
